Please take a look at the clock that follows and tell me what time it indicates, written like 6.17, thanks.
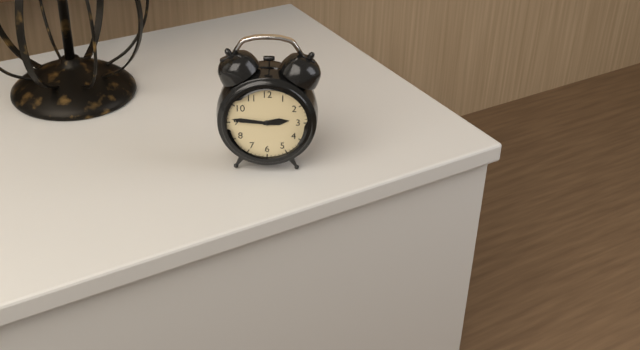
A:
2.46
